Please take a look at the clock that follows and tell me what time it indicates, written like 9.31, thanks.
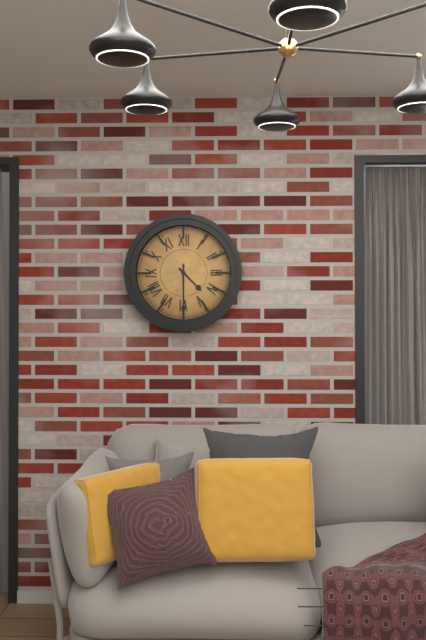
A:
4.30
